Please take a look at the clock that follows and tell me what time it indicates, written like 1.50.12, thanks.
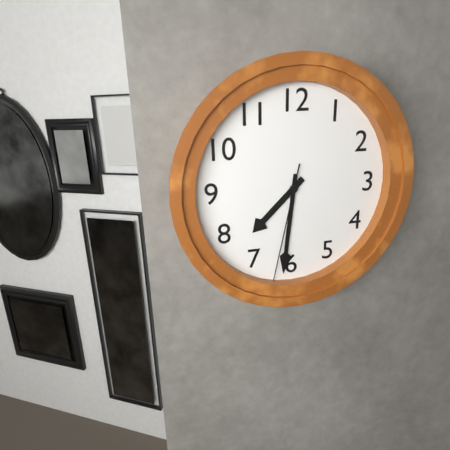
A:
7.31.32
